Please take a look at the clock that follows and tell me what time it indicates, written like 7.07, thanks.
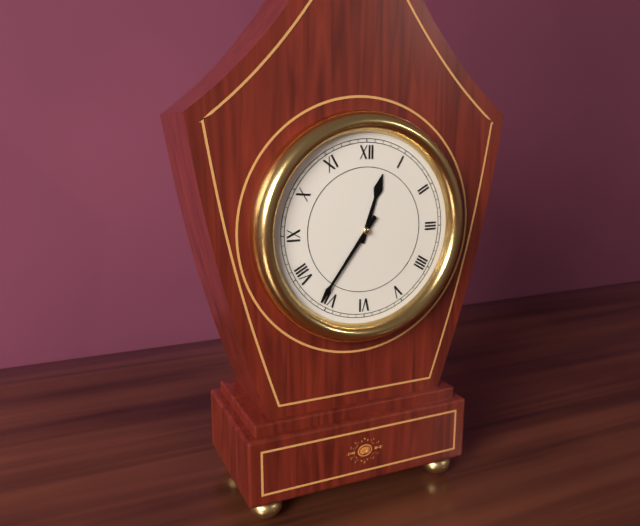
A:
12.36
